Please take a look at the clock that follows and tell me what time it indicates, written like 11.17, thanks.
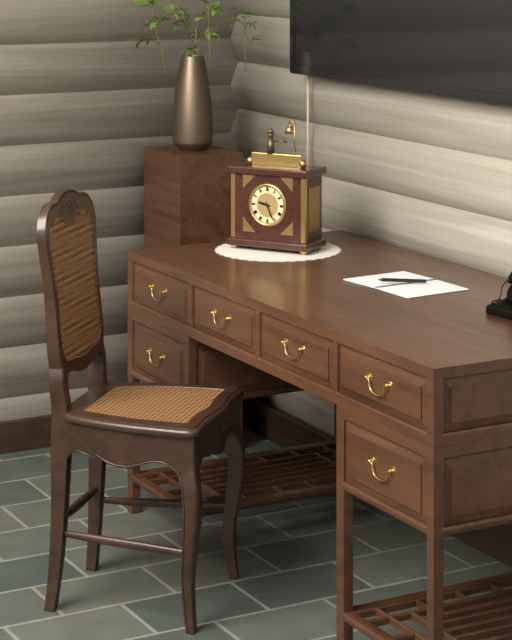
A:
9.26
